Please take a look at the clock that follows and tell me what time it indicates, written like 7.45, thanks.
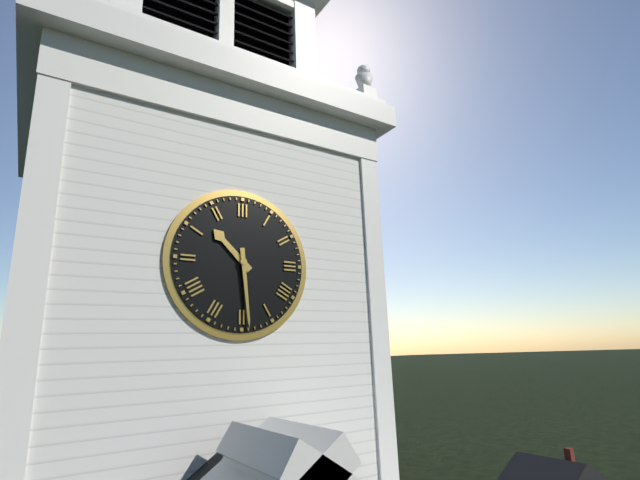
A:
10.29
